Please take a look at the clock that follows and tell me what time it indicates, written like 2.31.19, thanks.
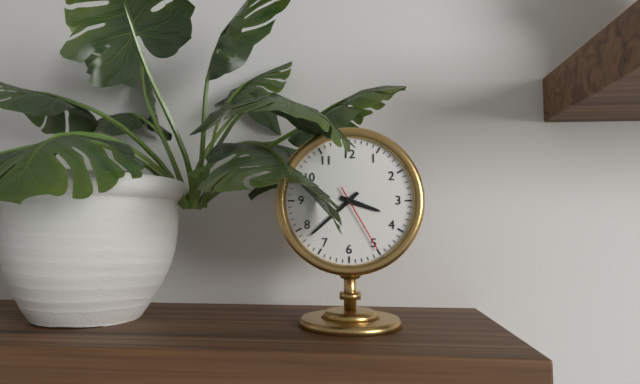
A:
3.38.25
